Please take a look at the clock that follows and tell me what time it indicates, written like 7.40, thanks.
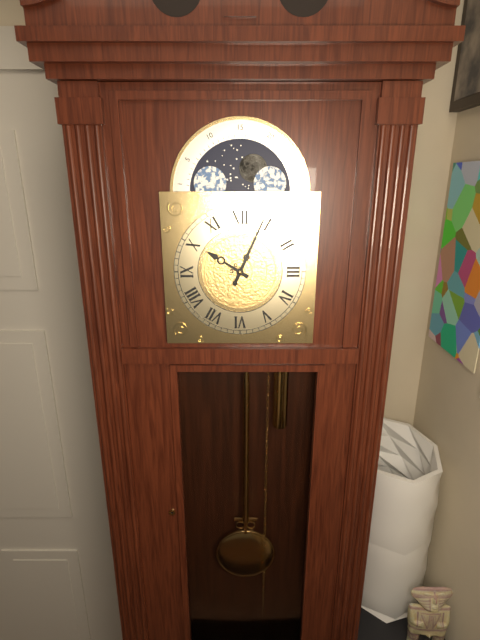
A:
10.04
